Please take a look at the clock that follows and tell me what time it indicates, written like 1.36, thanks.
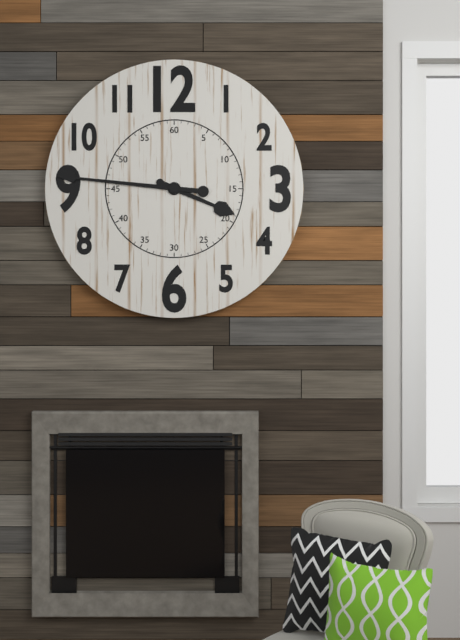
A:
3.46
